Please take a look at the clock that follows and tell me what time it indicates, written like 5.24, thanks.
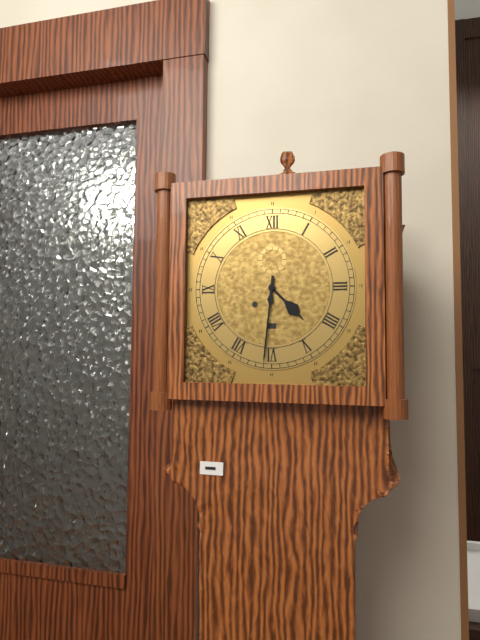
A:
4.31
